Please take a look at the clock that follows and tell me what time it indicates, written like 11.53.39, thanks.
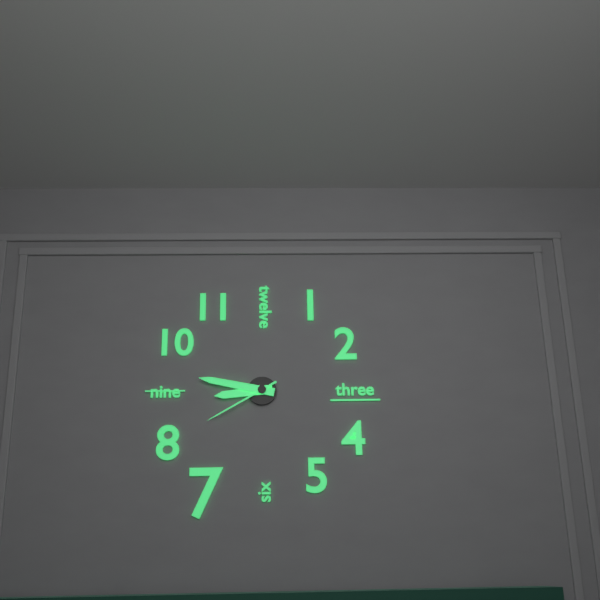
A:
8.47.40
